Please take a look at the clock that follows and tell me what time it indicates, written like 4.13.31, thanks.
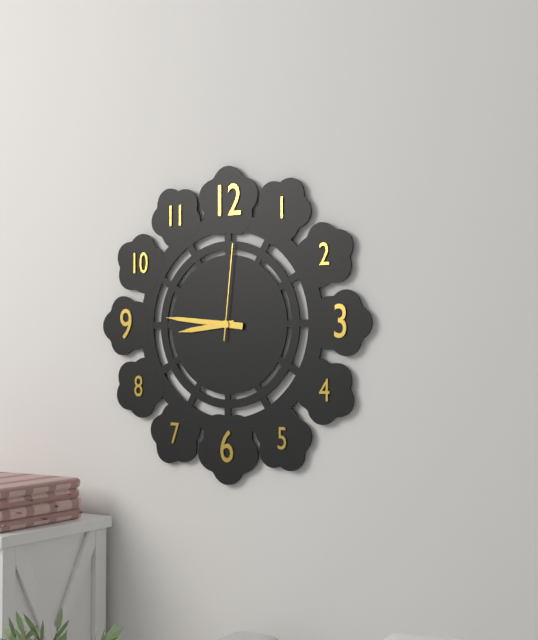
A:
8.46.01
